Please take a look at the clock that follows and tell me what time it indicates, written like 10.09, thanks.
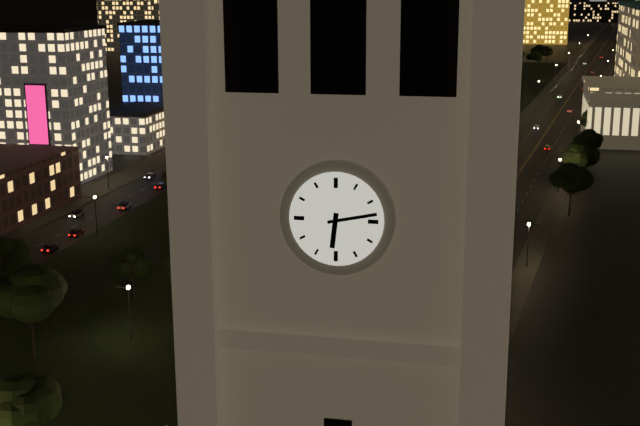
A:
6.13
